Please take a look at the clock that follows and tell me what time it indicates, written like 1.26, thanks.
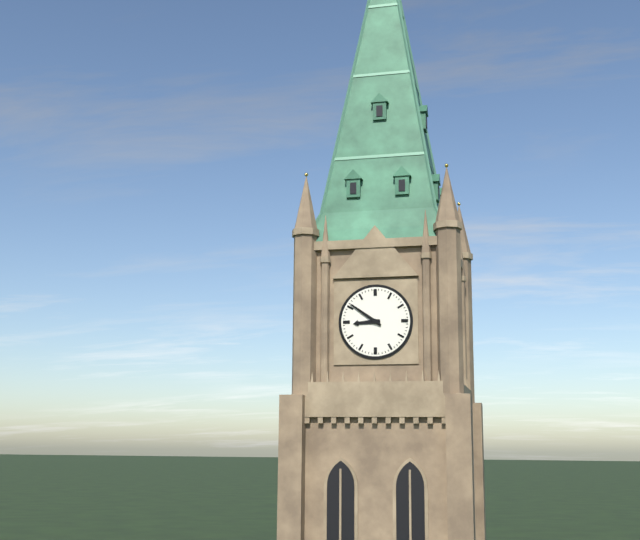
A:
8.51
